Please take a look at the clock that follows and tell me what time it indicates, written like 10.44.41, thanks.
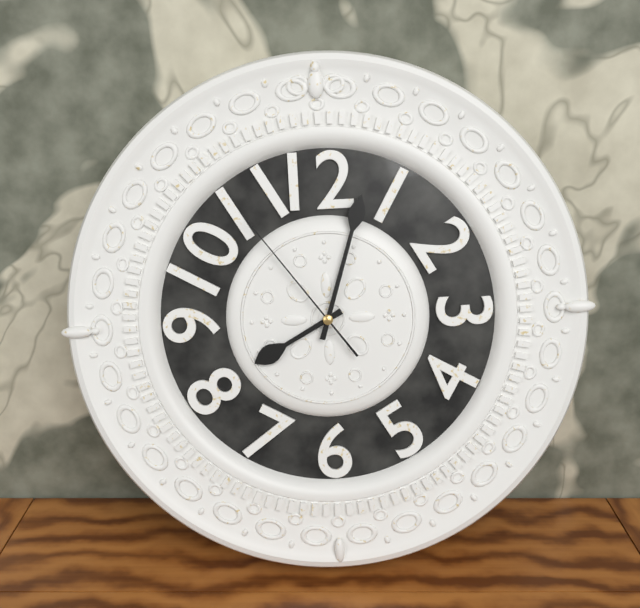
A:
8.03.54
